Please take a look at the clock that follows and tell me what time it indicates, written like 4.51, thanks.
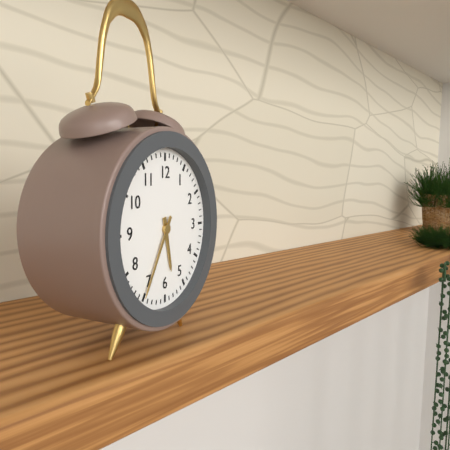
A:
5.35
